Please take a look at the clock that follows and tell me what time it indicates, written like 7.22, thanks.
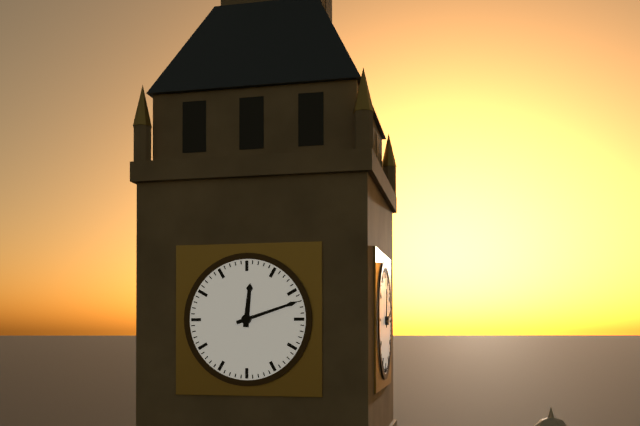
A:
12.12
